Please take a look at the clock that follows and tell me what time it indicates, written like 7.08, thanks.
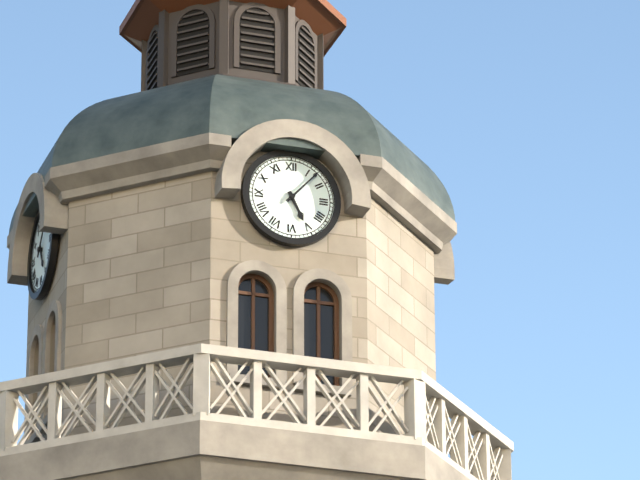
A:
5.07
